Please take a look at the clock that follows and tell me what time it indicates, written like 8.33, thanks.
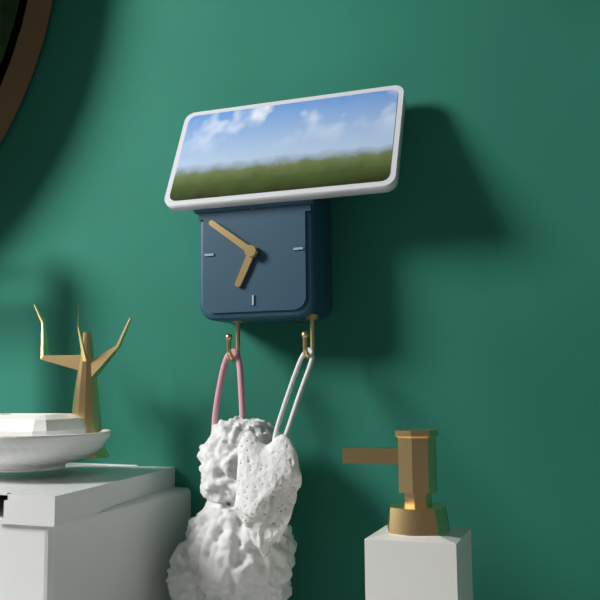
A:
6.51
